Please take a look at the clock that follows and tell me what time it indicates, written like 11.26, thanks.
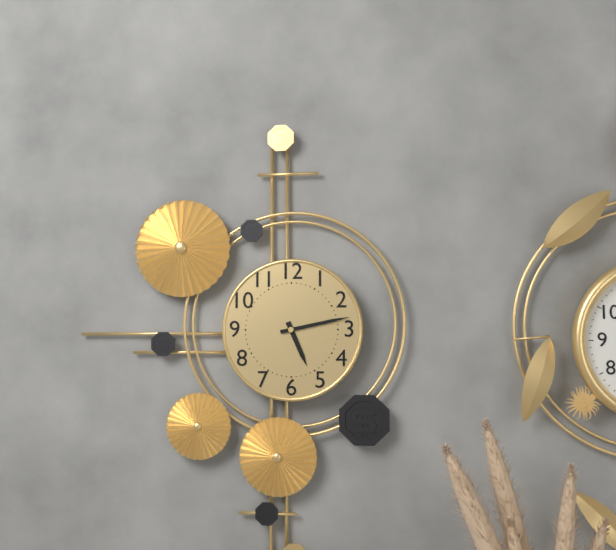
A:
5.13
